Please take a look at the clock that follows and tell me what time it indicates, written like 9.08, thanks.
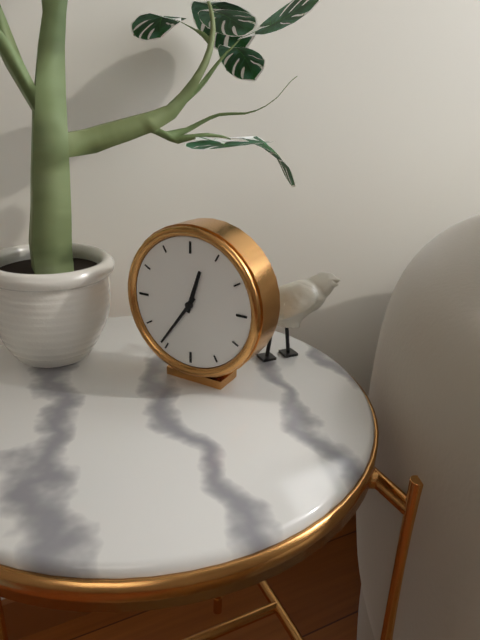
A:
12.36
